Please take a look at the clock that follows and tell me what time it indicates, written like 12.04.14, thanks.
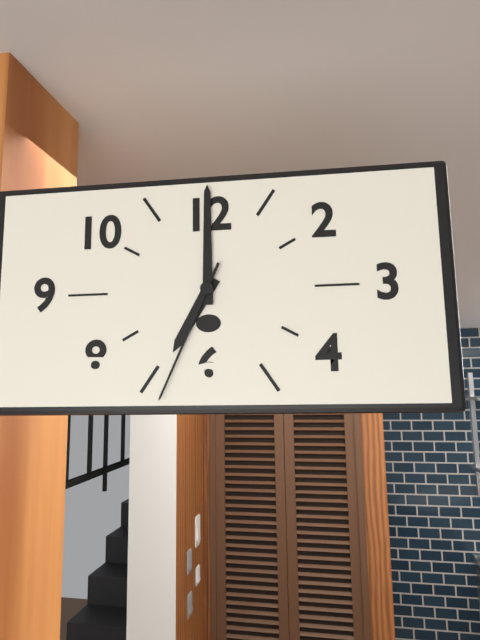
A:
7.00.34
